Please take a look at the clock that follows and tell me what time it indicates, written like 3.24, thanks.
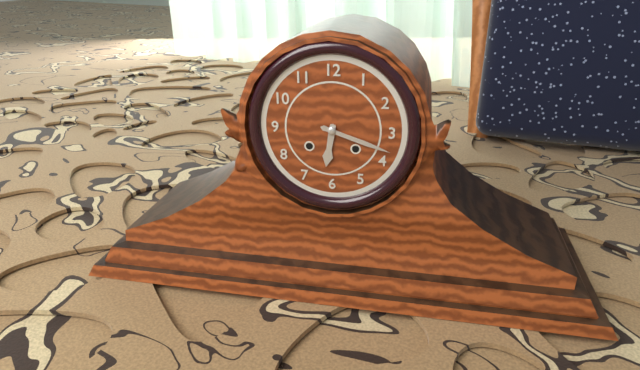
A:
6.18
